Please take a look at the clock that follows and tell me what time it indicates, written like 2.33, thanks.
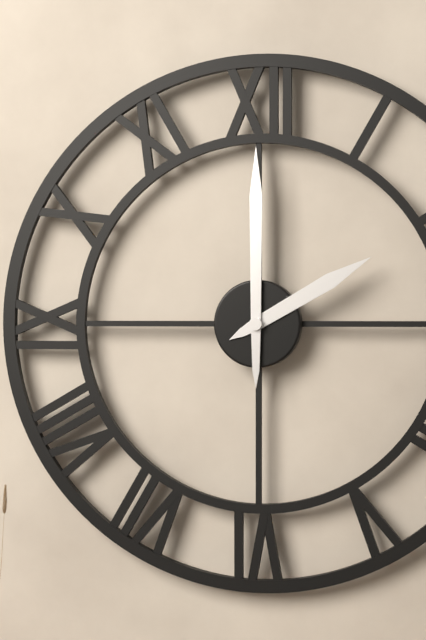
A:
2.00
